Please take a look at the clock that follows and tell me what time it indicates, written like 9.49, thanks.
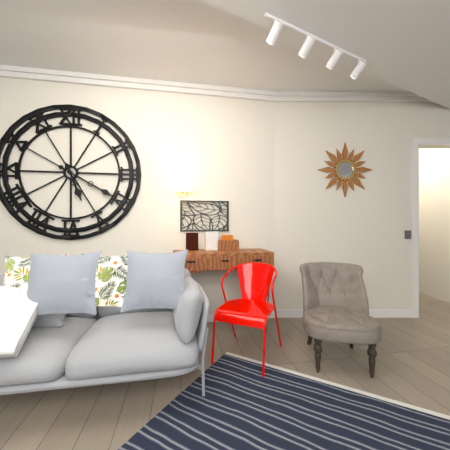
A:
5.20
